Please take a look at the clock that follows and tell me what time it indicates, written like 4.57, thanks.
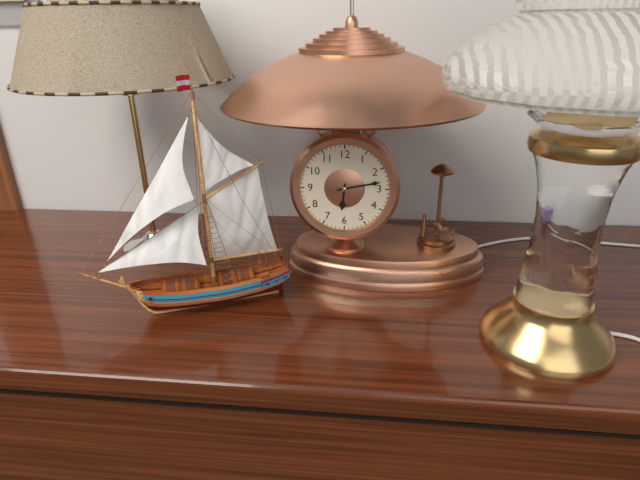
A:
6.13
